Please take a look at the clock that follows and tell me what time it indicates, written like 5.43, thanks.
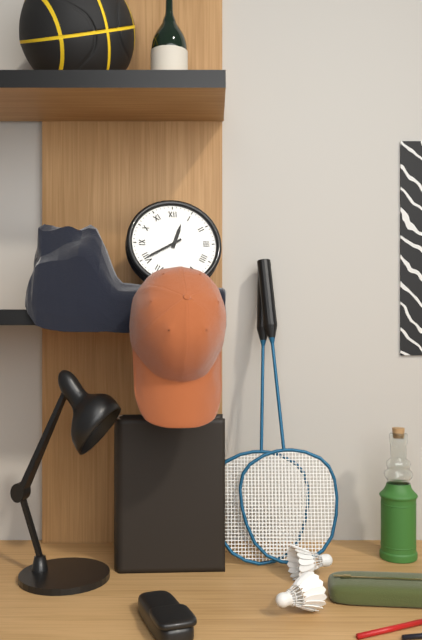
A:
12.40
